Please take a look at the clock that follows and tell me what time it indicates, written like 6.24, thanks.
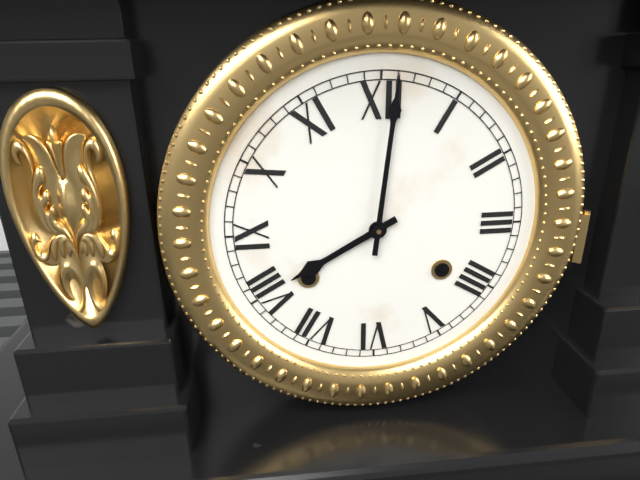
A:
8.01
